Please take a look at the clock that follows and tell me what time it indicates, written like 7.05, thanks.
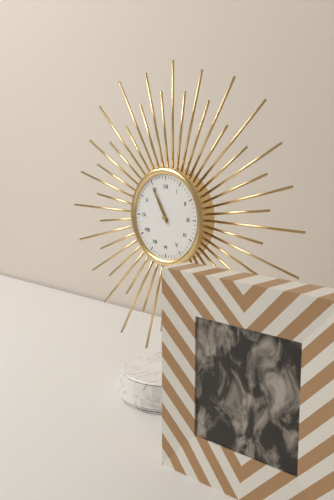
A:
10.55
